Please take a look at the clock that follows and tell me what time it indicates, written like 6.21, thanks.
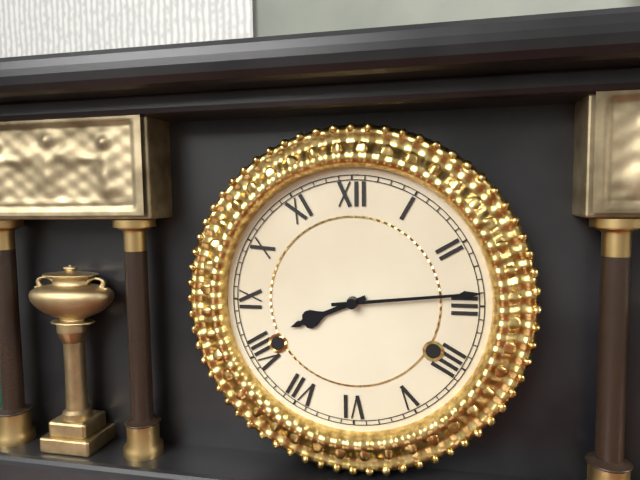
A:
8.14
